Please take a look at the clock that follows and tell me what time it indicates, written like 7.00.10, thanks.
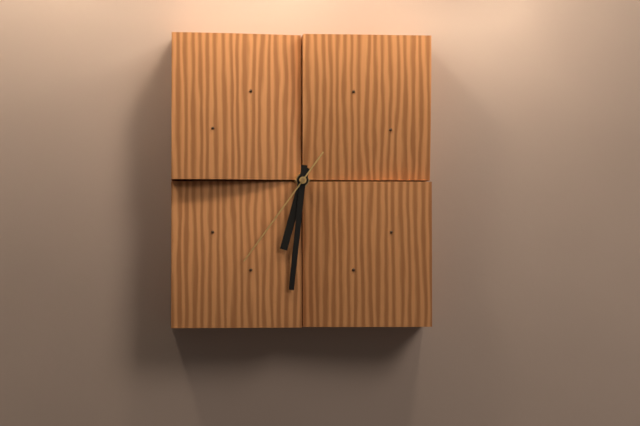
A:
6.31.36
